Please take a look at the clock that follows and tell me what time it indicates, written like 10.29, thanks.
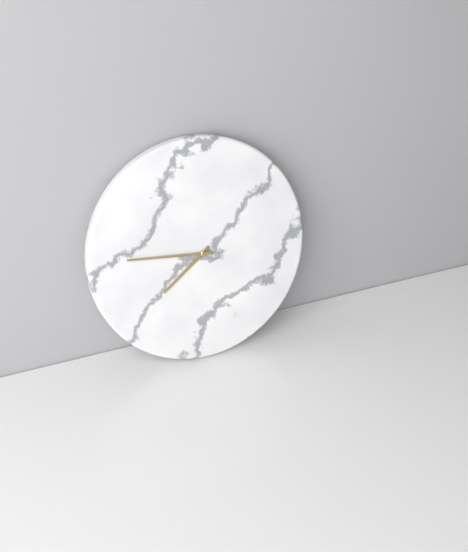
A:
7.46
